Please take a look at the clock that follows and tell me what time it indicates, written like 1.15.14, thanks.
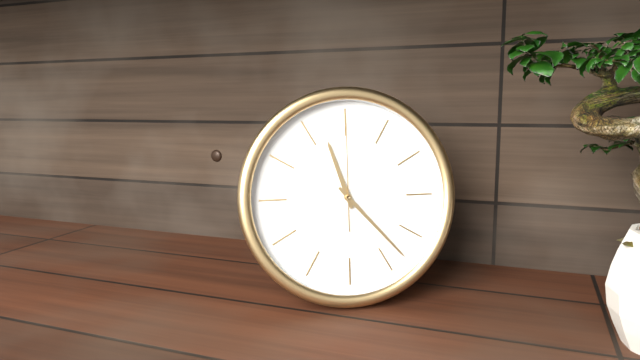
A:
11.23.00
